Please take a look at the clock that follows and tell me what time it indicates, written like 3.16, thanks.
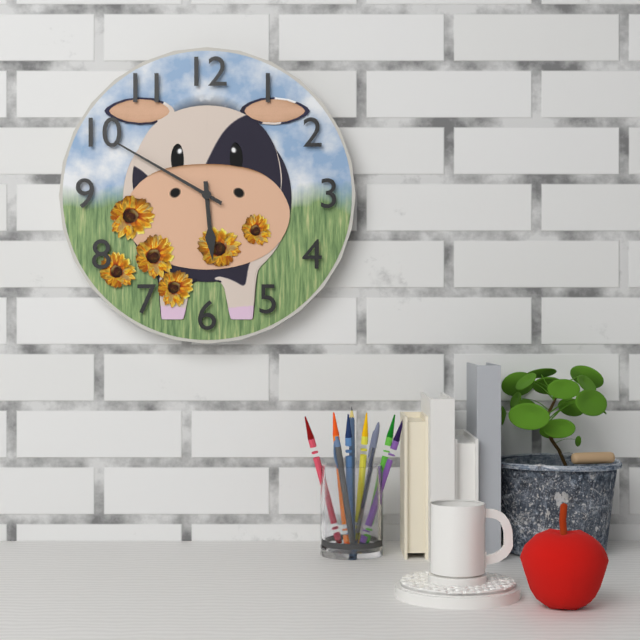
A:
5.50
